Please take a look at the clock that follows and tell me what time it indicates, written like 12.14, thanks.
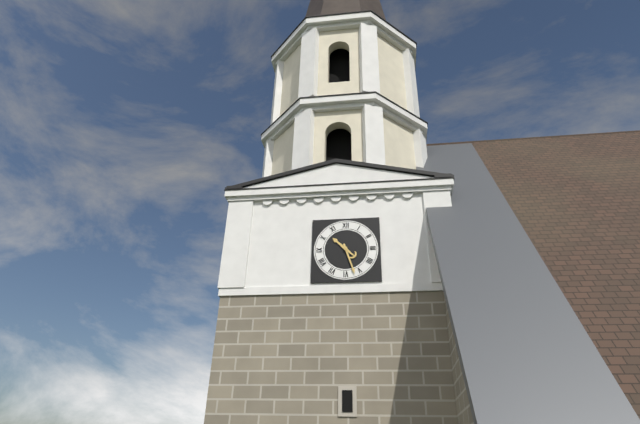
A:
10.27
